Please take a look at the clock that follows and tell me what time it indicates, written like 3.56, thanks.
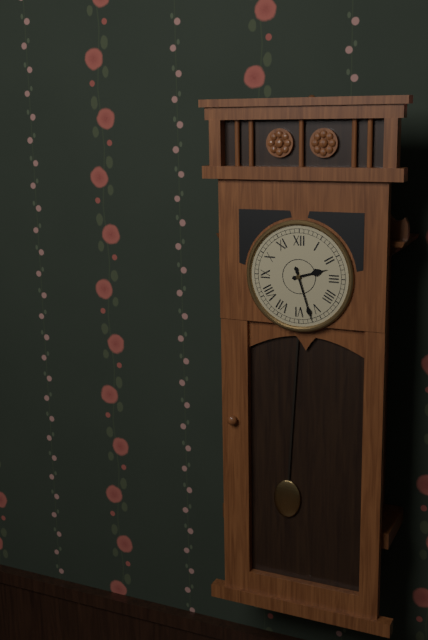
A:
2.27
